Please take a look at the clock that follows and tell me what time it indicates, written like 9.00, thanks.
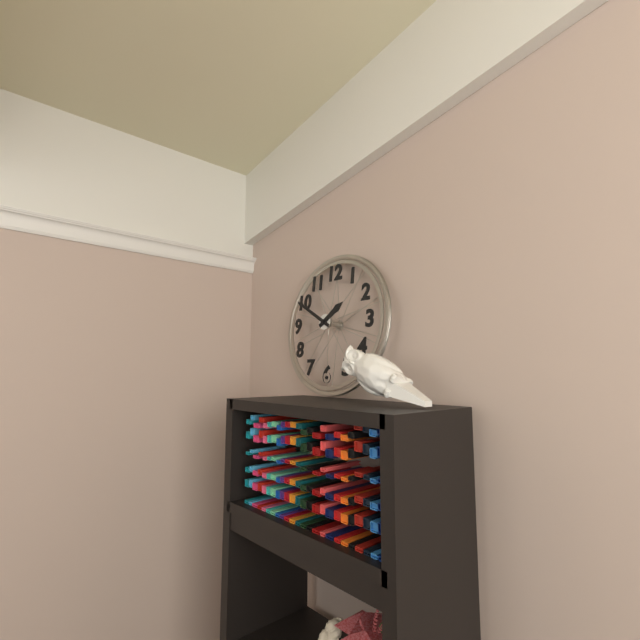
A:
1.50
